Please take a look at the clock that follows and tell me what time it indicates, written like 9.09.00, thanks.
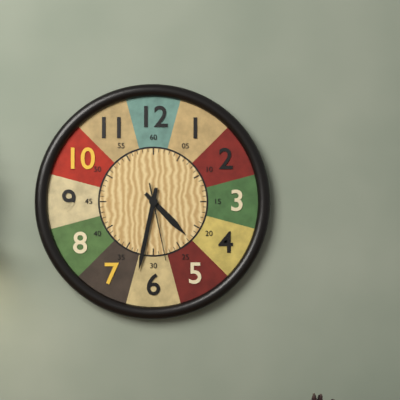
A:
4.32.28
